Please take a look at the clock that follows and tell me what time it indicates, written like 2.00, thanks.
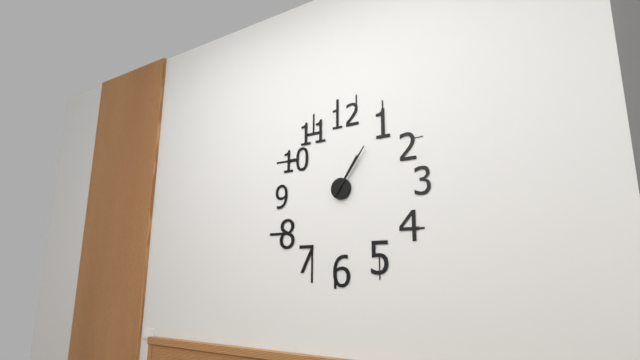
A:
1.06
